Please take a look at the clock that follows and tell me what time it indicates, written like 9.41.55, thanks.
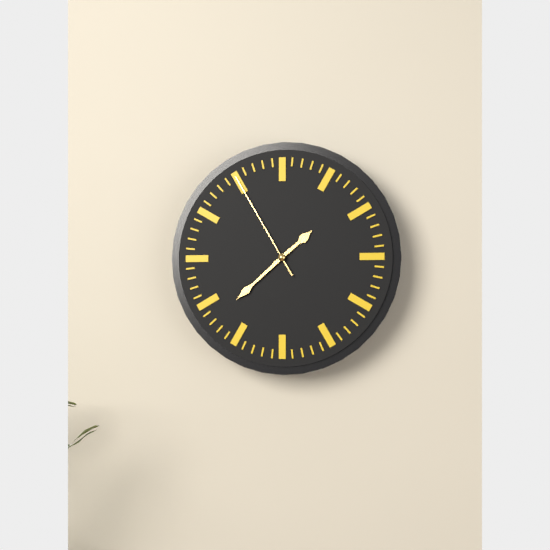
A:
1.38.55
